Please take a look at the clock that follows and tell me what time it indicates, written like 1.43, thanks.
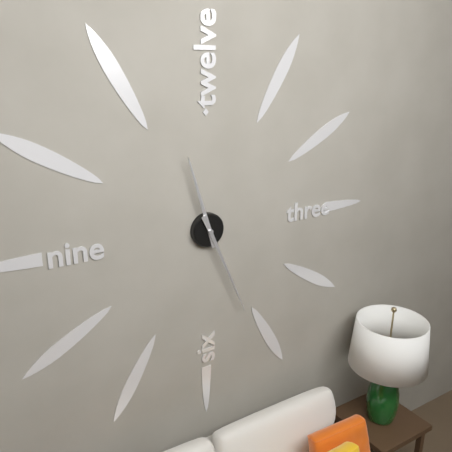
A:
11.26
